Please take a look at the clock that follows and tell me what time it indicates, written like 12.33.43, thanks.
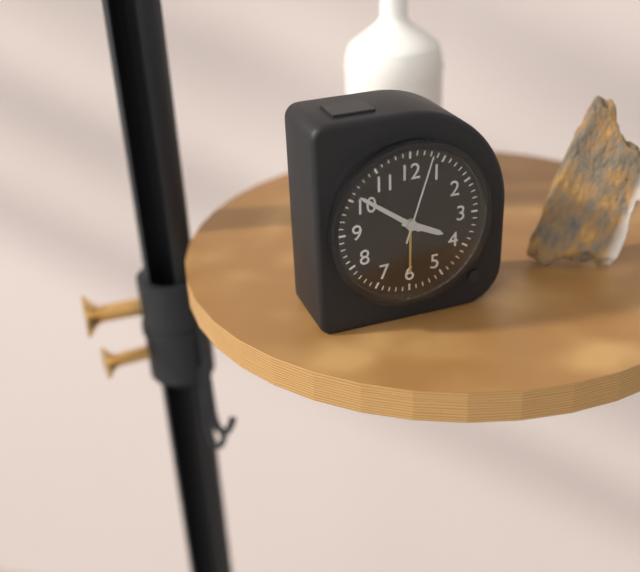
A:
3.51.03
